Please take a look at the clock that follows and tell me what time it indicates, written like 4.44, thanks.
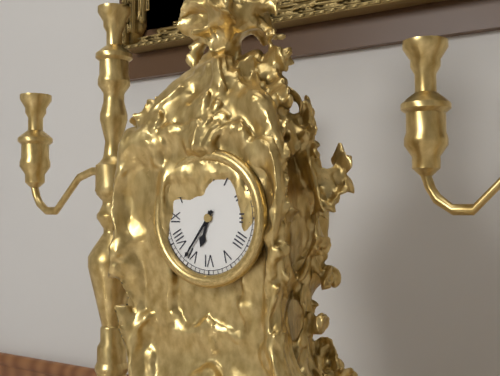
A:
6.36
